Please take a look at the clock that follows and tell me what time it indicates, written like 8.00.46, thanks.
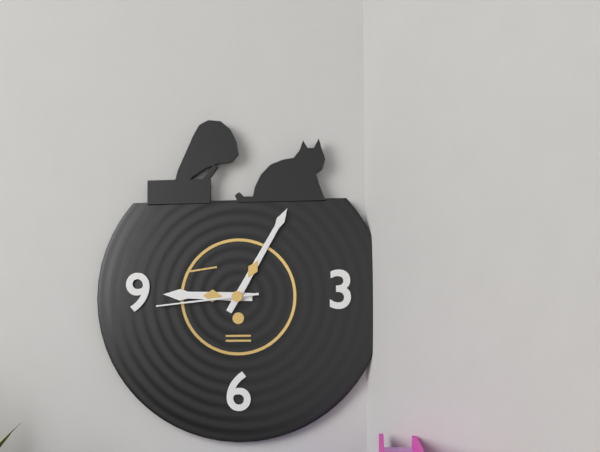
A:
9.05.44
